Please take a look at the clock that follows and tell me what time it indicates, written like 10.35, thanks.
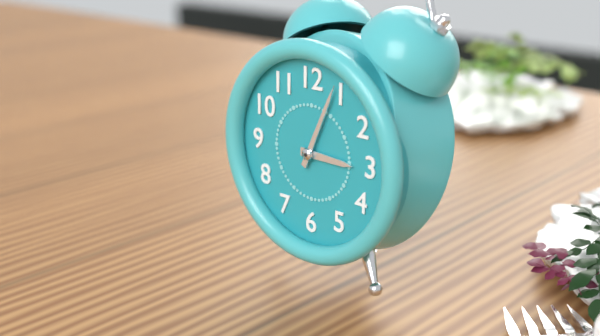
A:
3.04
